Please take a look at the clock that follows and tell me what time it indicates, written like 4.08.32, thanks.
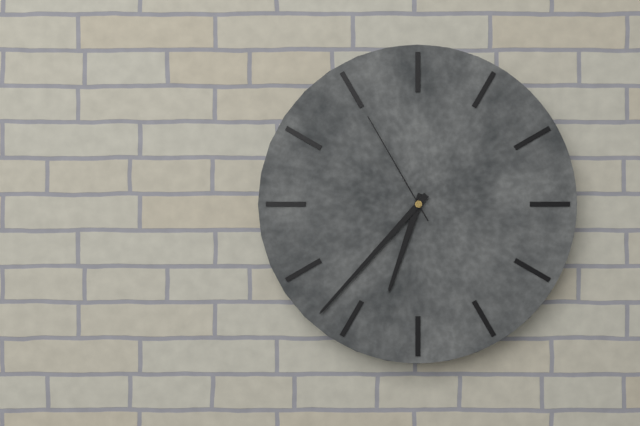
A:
6.37.55
